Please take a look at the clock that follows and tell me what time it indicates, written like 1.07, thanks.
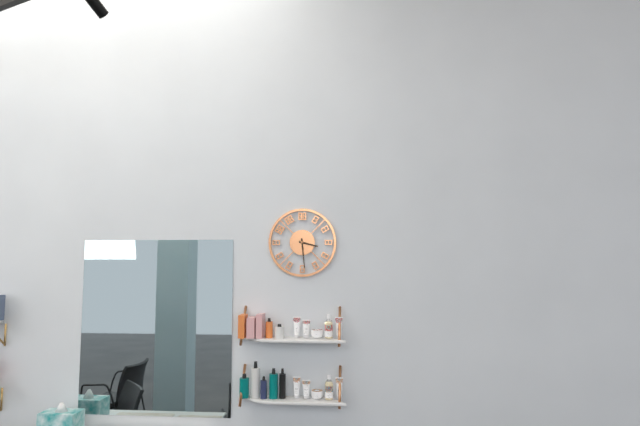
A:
3.29
